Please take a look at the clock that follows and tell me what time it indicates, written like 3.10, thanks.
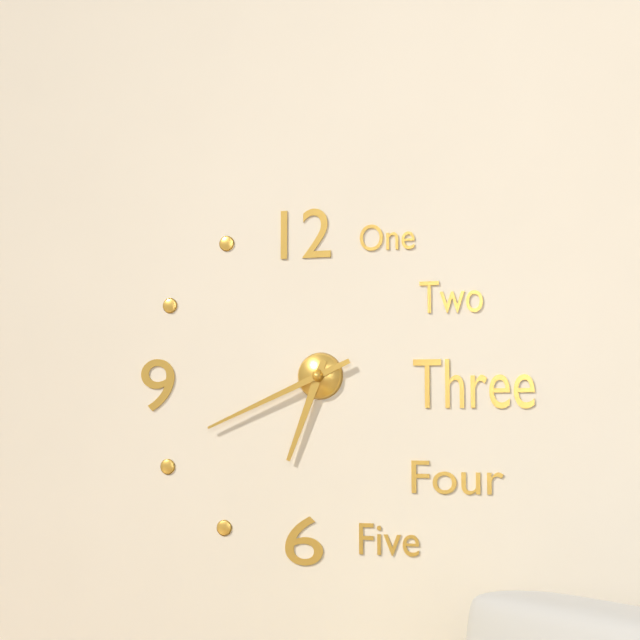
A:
6.41
